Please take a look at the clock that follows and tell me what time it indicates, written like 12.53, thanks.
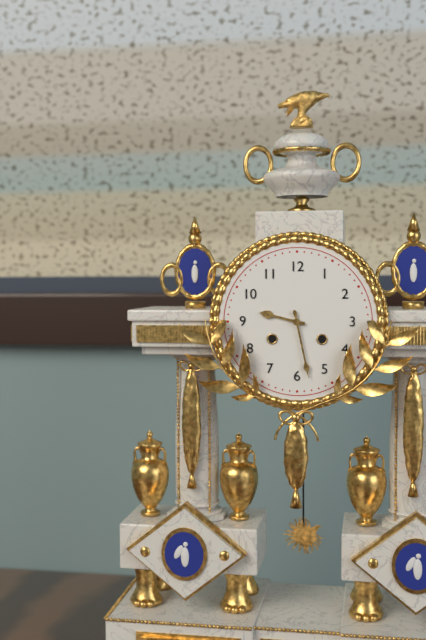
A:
9.28
